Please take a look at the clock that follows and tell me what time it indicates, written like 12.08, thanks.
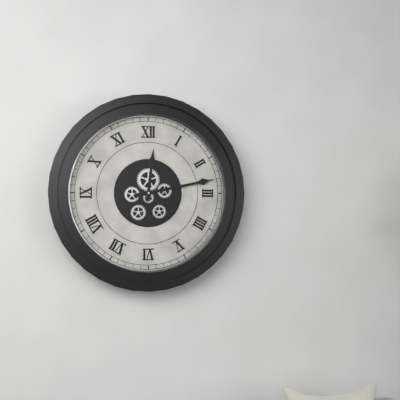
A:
12.13
